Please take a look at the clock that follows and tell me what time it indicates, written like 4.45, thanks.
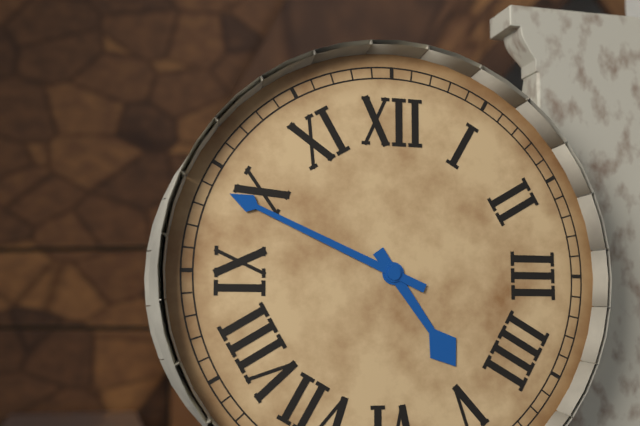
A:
4.49
